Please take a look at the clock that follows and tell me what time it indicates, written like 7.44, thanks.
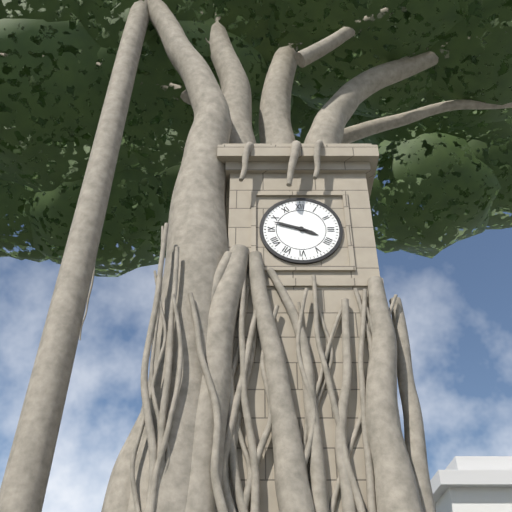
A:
3.48
